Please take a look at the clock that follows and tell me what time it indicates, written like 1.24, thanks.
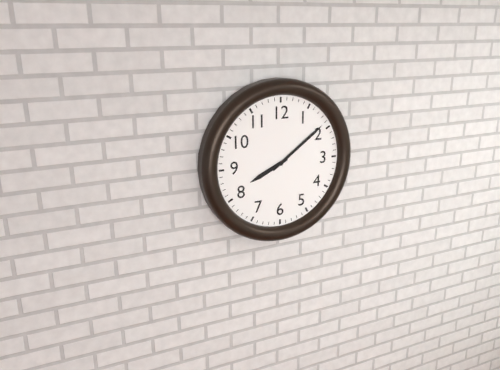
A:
8.09
